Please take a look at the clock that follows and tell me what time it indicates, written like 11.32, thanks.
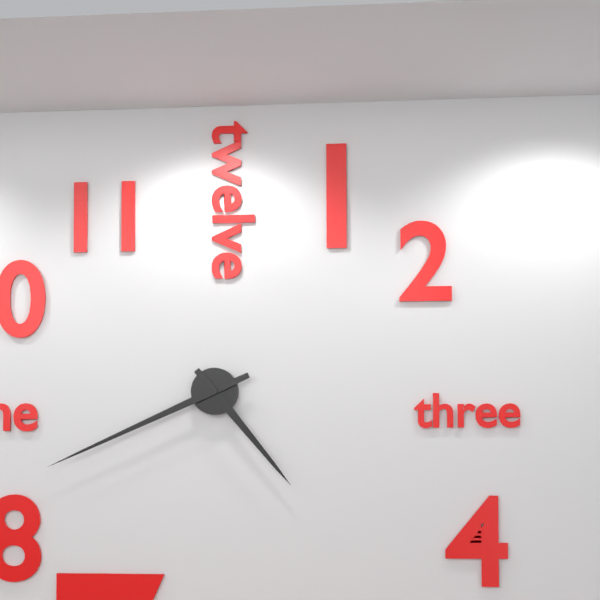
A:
4.41
